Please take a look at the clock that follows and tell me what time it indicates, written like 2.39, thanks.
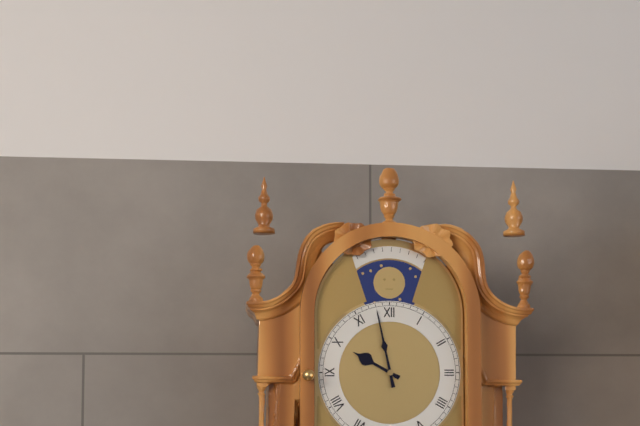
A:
9.58
